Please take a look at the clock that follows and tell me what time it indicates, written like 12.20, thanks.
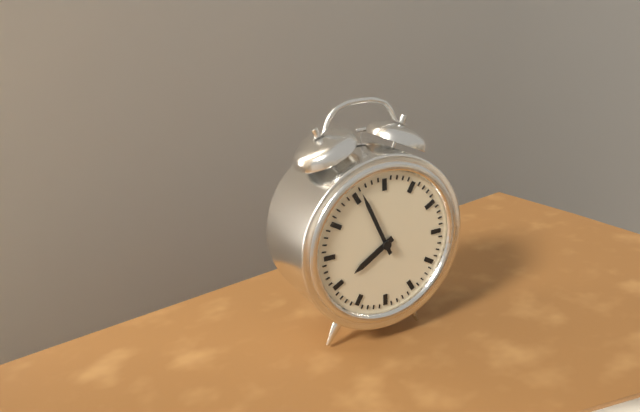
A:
7.56
